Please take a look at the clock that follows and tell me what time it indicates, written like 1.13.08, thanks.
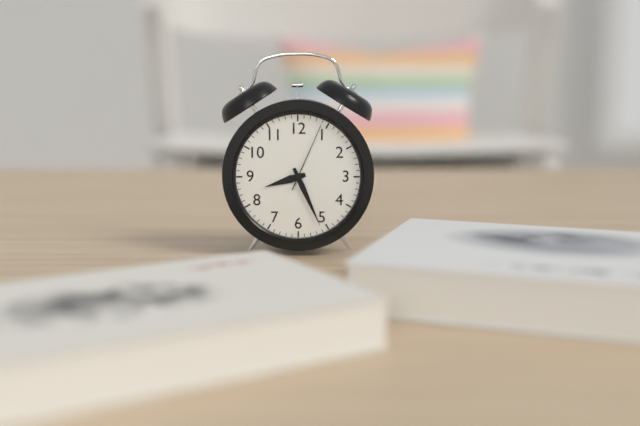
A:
8.26.04
